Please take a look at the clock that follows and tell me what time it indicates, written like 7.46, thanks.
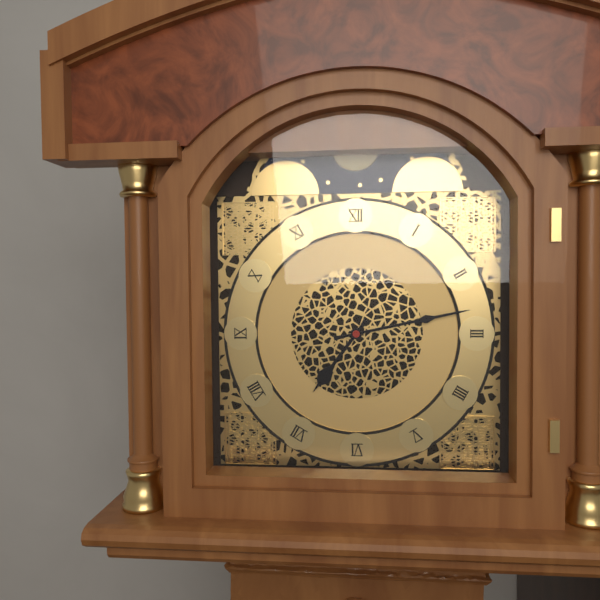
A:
7.13
